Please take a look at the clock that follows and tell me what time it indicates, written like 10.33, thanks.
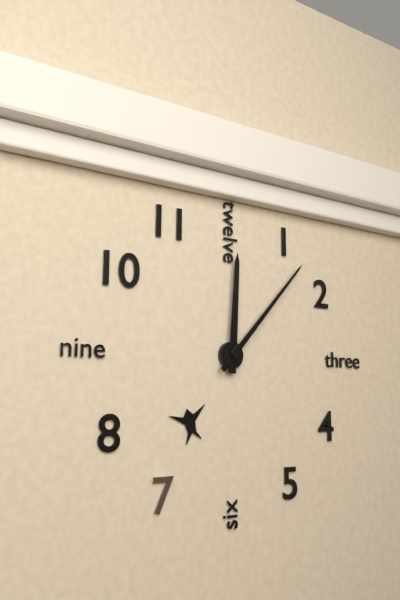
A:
12.07
